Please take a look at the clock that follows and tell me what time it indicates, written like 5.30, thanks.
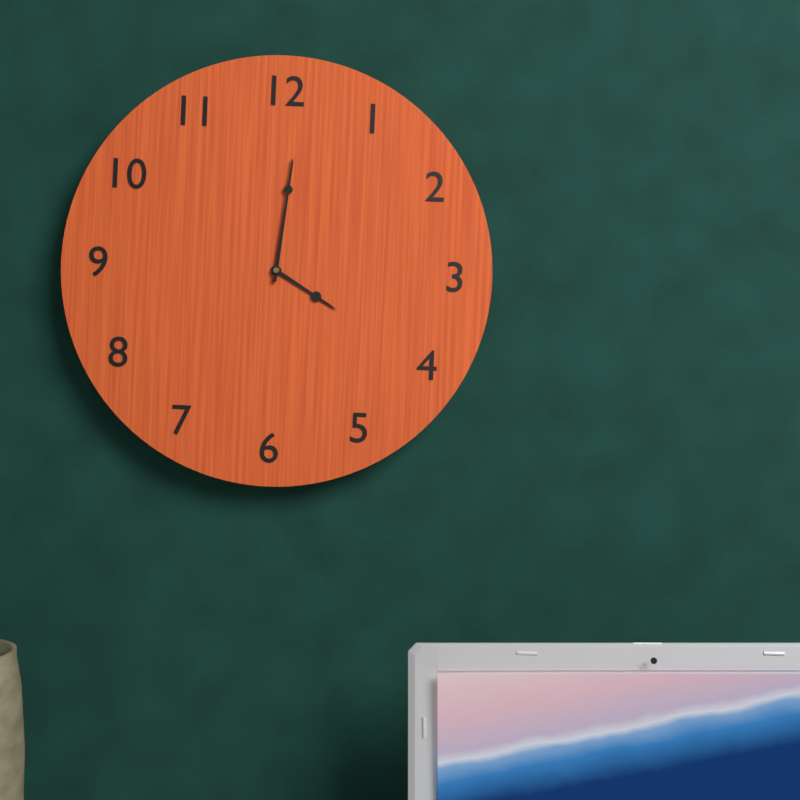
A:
4.01
